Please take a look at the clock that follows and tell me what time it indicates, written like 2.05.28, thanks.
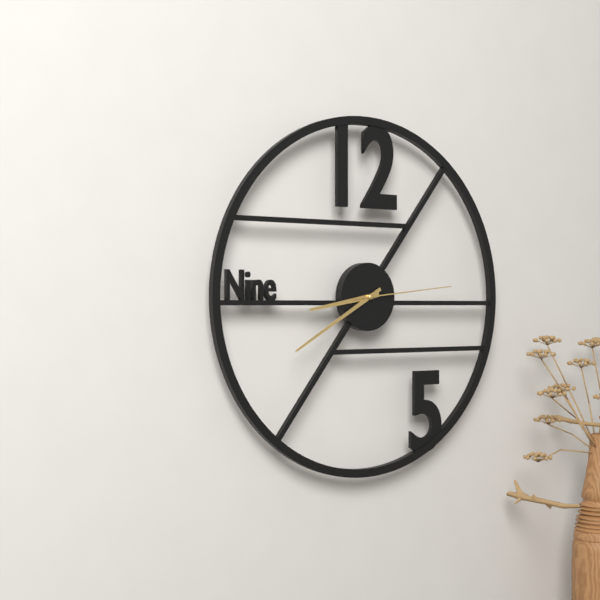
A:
8.40.14
